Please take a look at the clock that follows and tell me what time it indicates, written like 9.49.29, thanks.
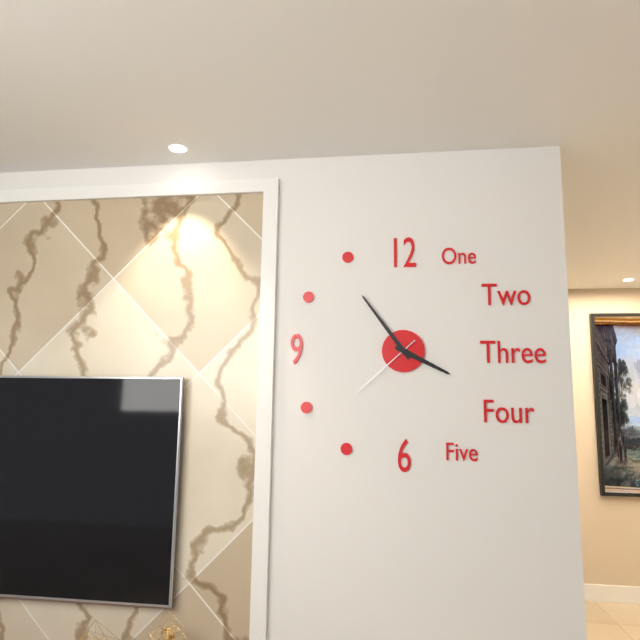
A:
3.54.38
